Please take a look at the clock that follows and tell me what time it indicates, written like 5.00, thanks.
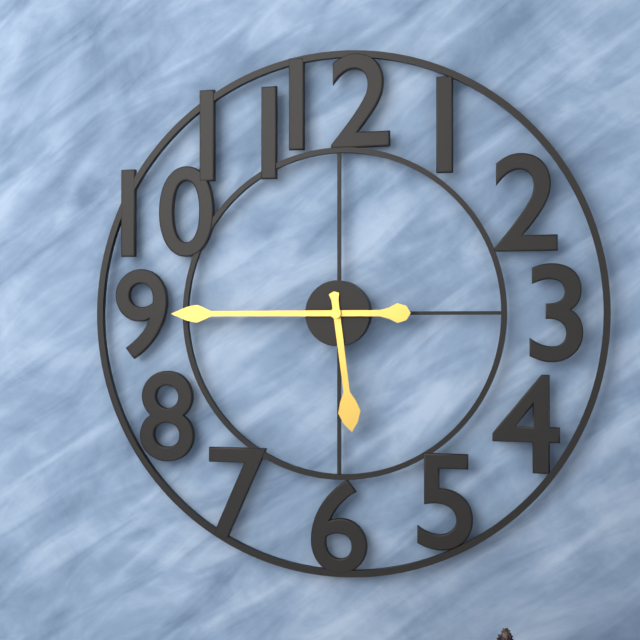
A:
5.45
